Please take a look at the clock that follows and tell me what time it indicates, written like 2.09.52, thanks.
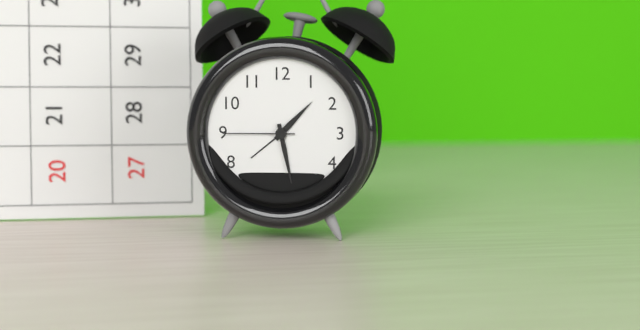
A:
1.28.45
